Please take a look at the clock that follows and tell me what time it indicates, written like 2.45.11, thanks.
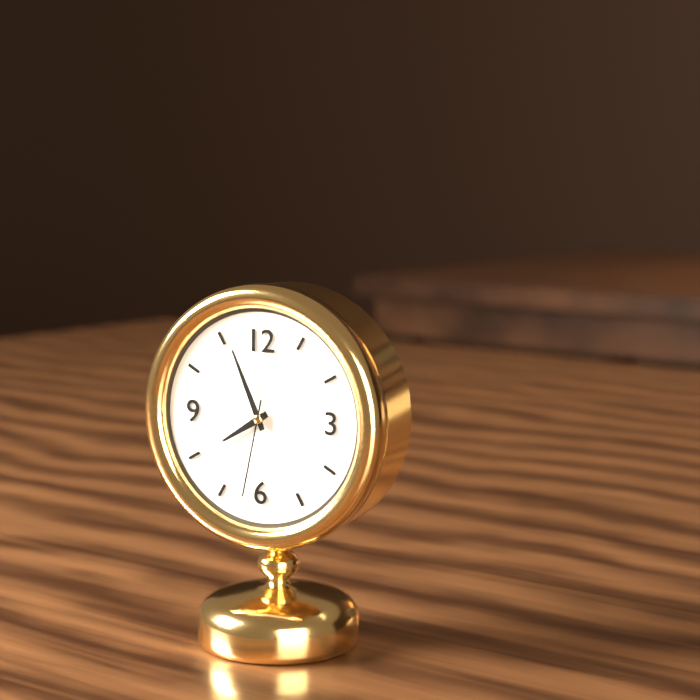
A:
7.56.32
